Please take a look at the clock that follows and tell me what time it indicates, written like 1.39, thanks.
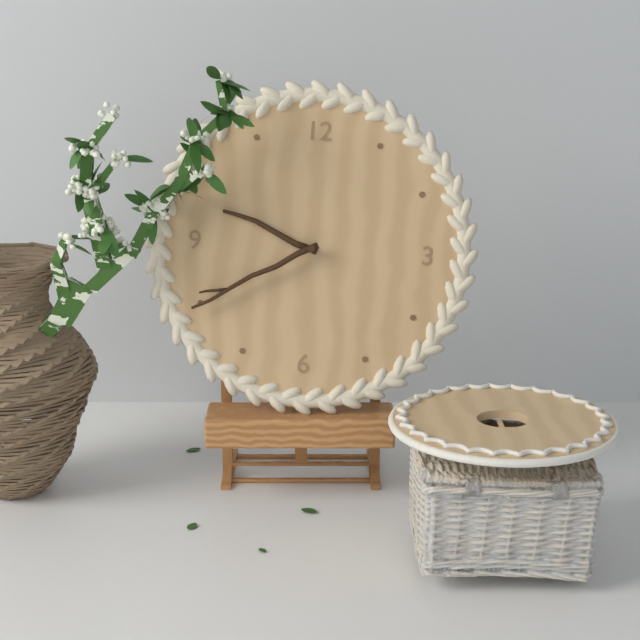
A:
9.40
